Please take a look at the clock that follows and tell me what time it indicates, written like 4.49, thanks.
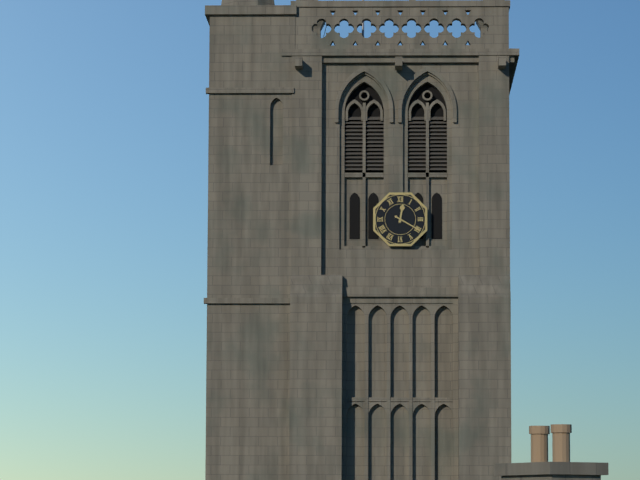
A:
12.20
